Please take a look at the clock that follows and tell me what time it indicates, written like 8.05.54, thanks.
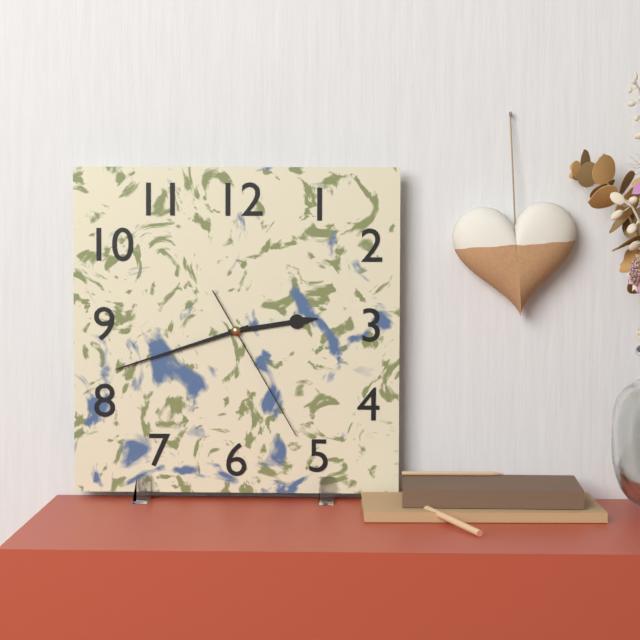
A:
2.42.25
